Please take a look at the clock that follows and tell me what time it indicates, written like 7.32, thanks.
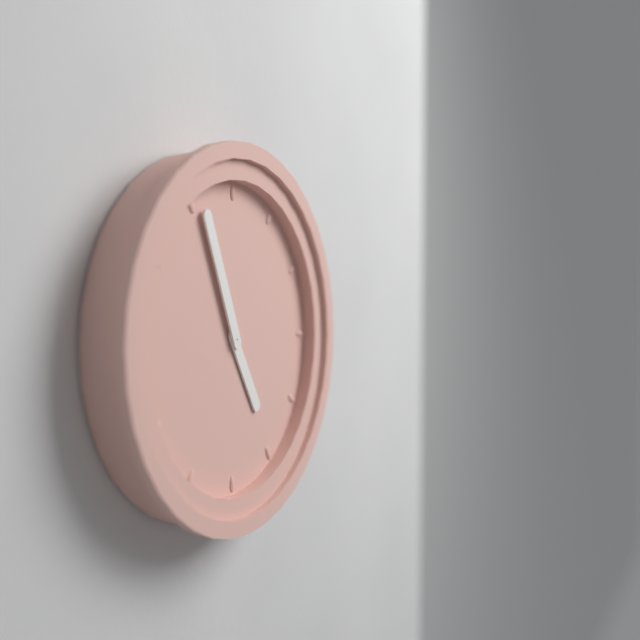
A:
4.56
